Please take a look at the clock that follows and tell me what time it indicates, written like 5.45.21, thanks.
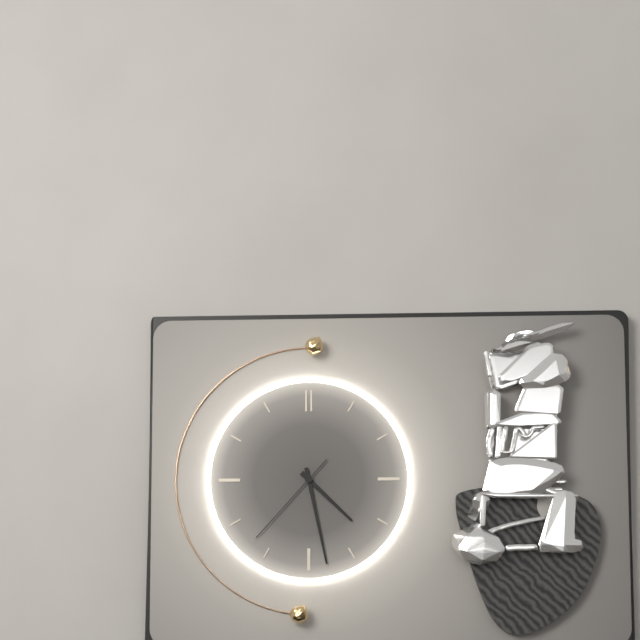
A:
4.28.37
